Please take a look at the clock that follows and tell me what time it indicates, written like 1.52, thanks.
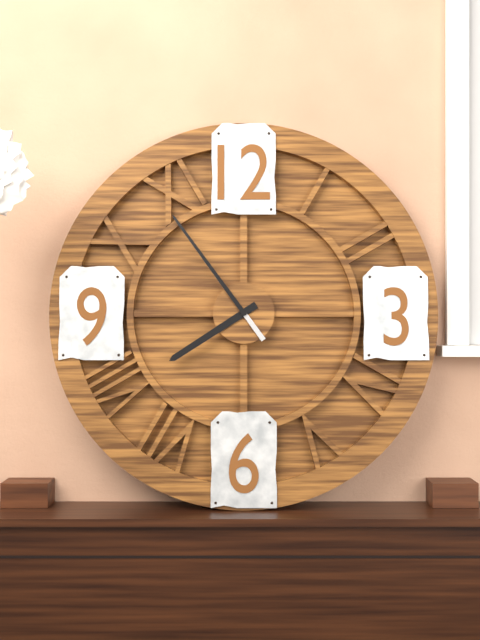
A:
7.54
